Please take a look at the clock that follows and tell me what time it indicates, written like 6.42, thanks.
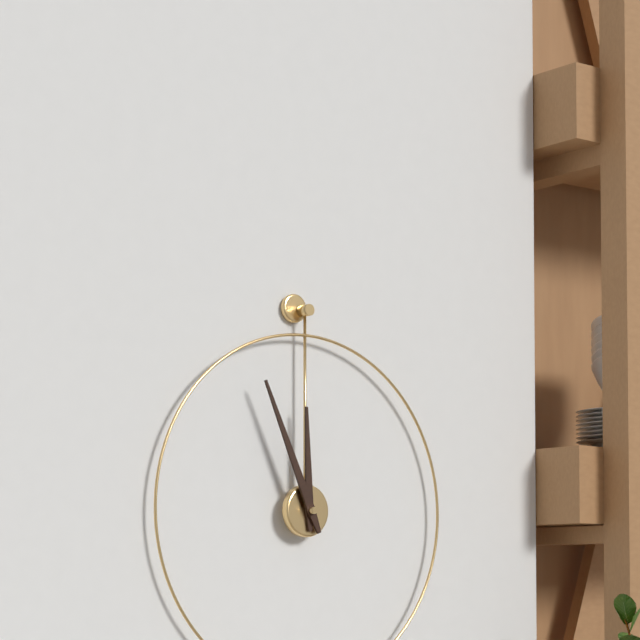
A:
11.56
